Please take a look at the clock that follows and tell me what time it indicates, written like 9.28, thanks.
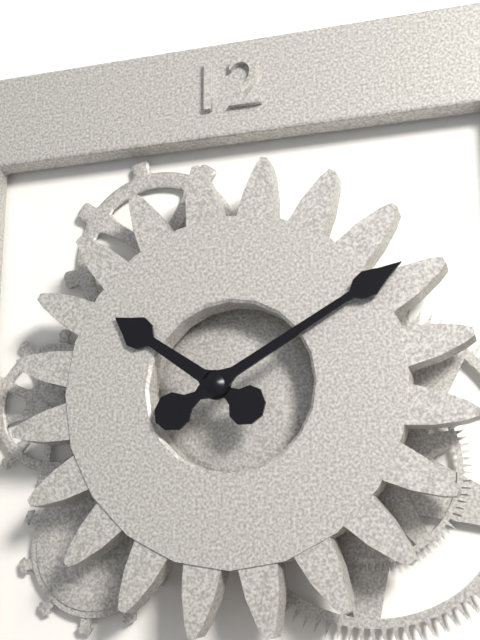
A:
10.10
